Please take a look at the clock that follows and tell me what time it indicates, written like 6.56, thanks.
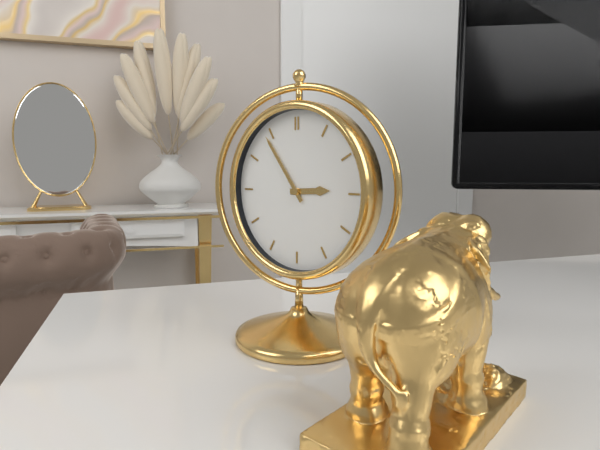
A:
2.54
